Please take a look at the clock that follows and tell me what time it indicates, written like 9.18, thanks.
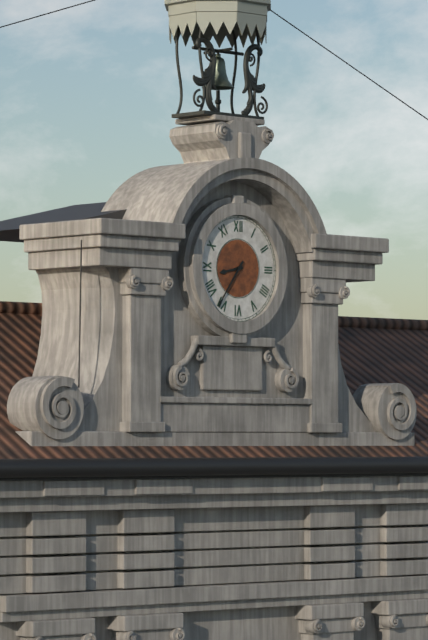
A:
8.36
